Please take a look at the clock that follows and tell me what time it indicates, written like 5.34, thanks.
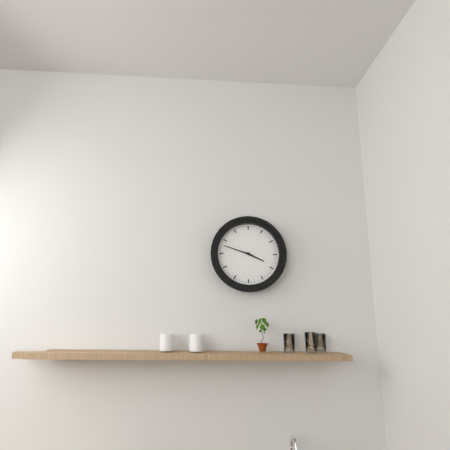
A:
3.48
